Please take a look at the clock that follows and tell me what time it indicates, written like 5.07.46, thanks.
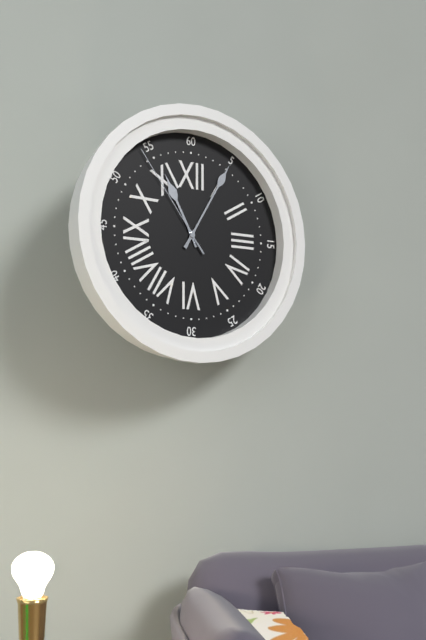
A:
11.05.54
